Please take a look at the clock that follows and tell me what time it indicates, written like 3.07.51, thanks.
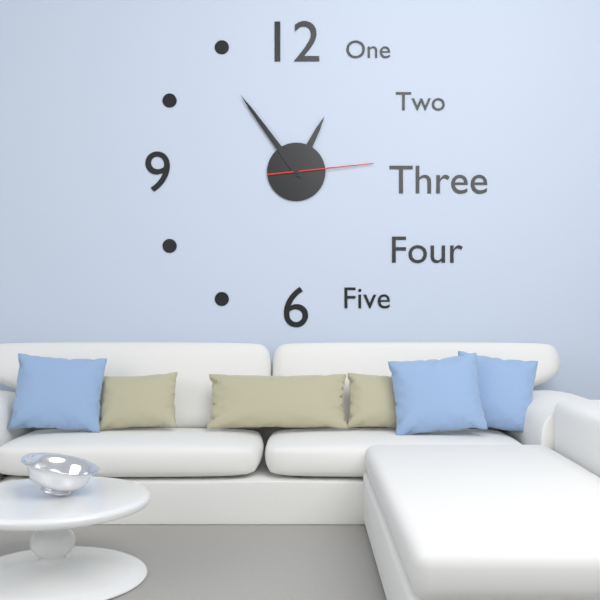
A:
12.54.14
